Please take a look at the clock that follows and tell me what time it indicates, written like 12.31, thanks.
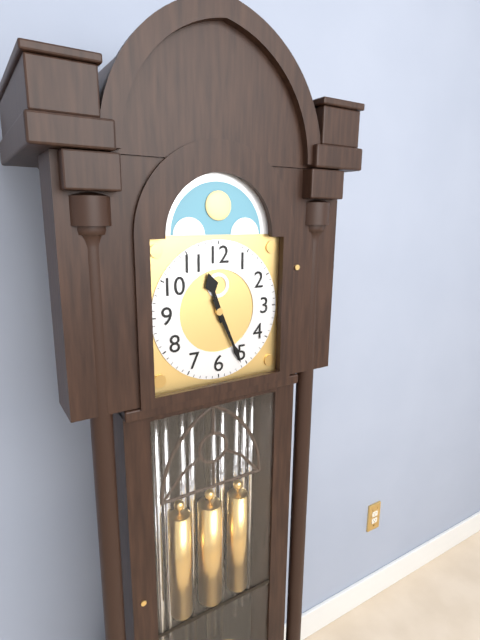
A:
11.26
